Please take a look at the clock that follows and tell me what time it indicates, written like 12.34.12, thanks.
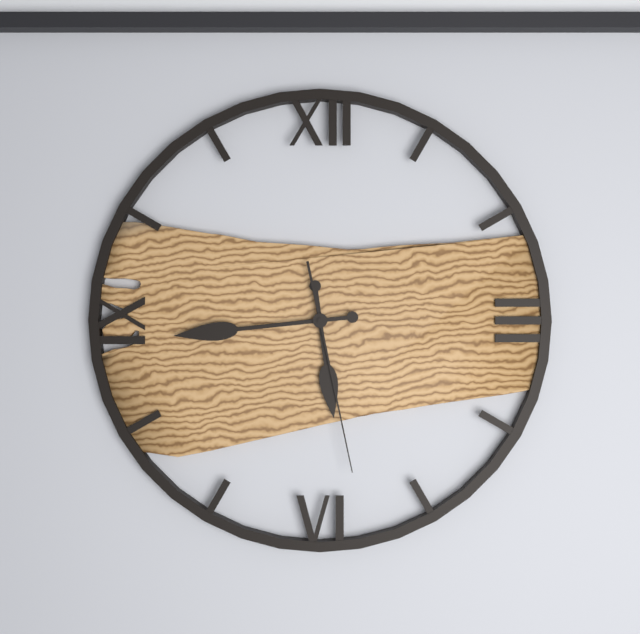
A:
5.44.28
